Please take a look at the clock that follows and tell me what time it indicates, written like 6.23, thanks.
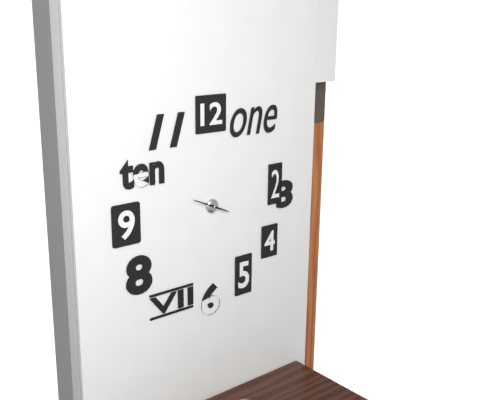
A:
3.49
